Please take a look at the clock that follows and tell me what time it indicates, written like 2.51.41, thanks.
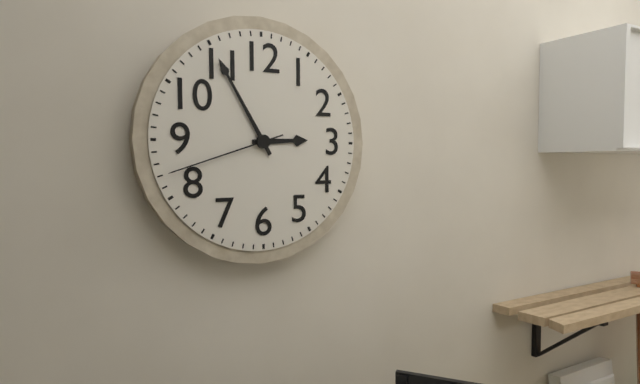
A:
2.55.42
